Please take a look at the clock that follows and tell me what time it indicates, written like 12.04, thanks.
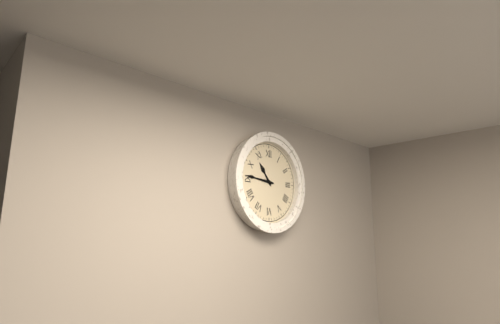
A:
10.46
